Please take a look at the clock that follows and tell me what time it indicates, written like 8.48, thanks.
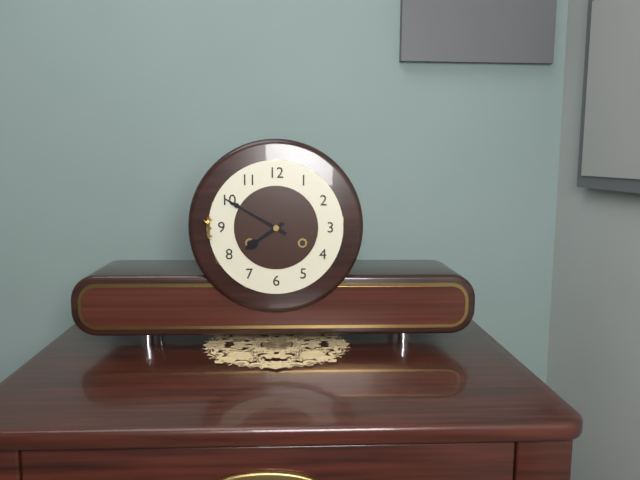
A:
7.50
